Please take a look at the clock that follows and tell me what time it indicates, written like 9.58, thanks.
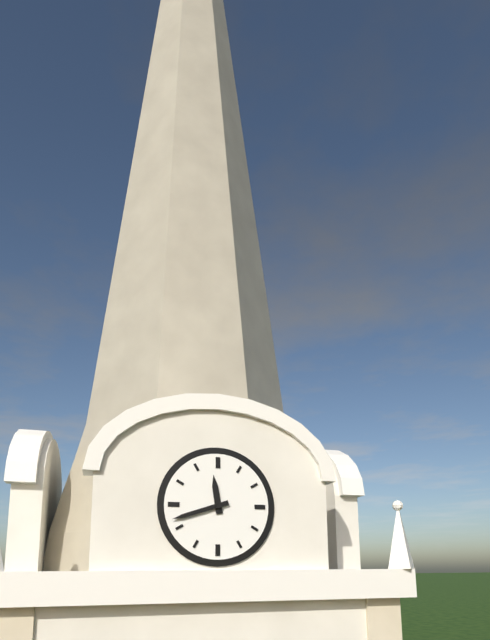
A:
11.42
